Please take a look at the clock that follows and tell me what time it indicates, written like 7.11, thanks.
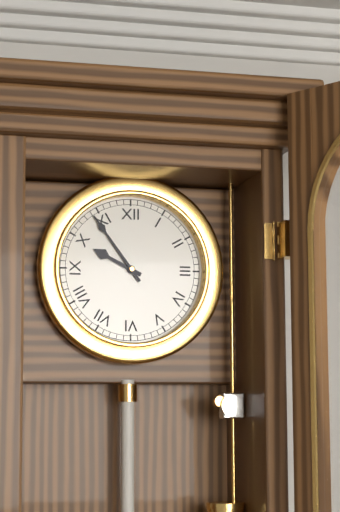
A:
9.54
